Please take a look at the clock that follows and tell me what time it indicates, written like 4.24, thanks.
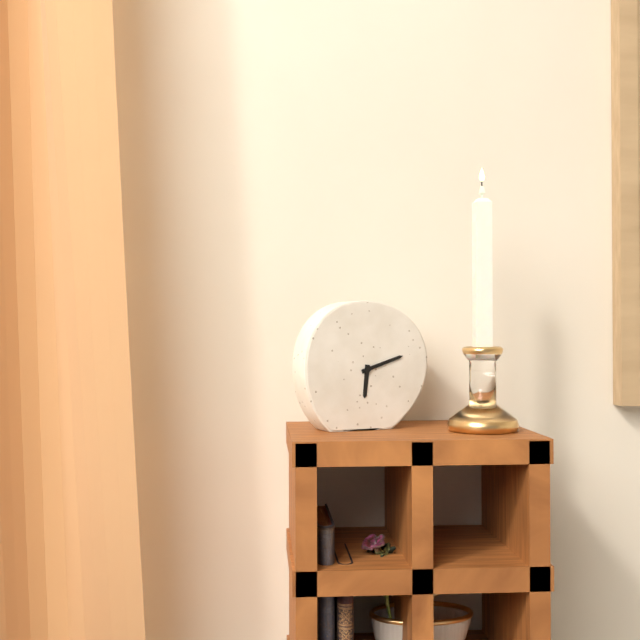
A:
6.12
